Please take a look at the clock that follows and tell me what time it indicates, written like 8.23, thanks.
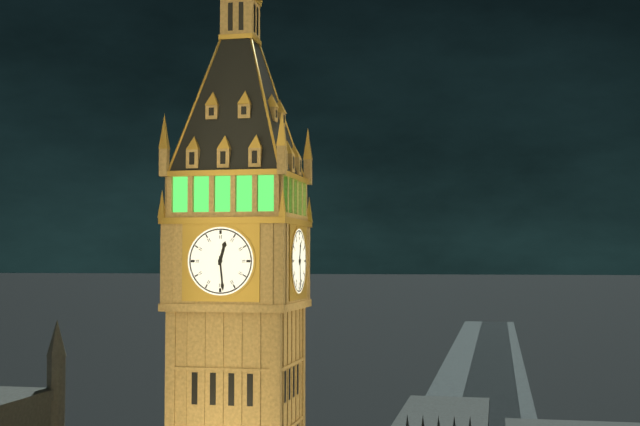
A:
12.29
